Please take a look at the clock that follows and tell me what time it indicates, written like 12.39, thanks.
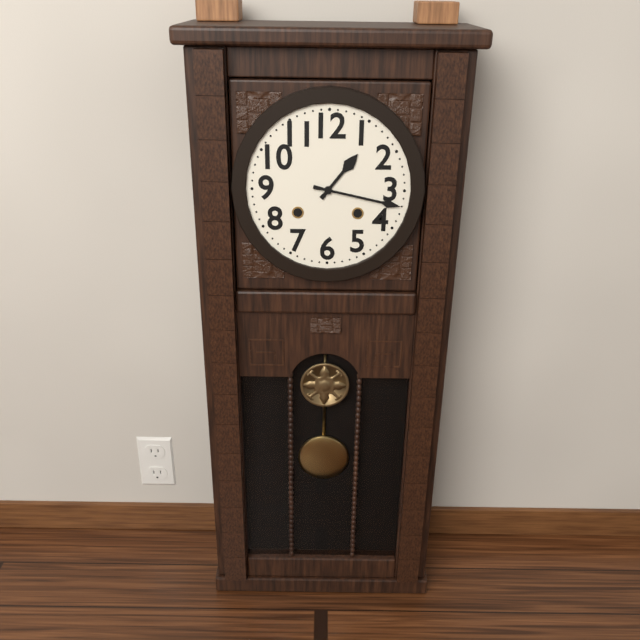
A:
1.17
